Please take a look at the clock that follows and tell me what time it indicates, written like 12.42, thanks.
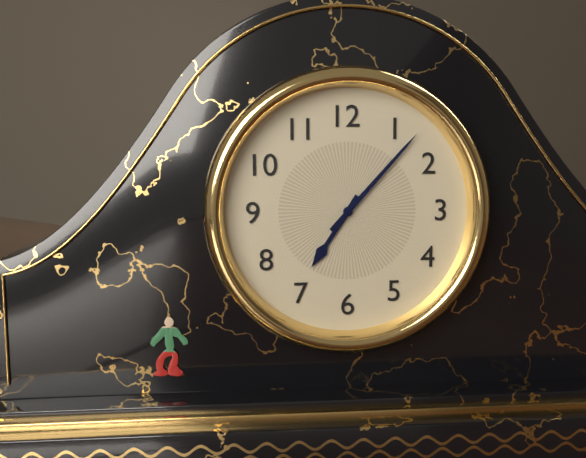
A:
7.07
